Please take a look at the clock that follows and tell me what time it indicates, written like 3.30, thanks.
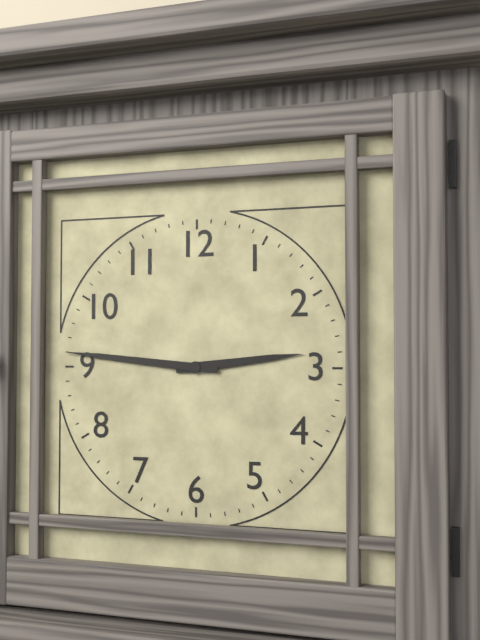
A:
2.46
